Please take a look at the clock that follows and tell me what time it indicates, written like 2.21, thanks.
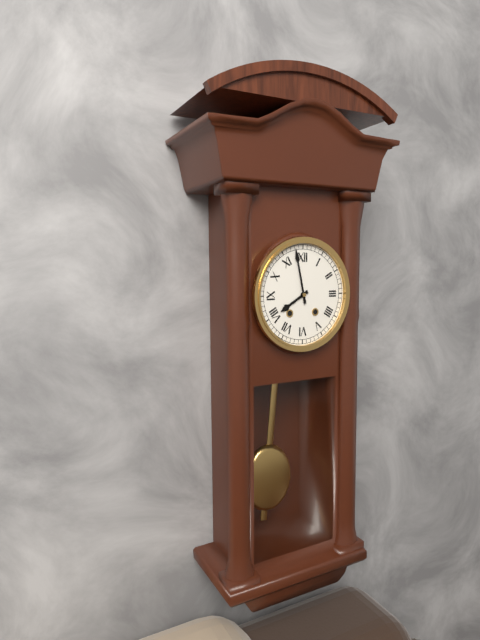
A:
7.58
